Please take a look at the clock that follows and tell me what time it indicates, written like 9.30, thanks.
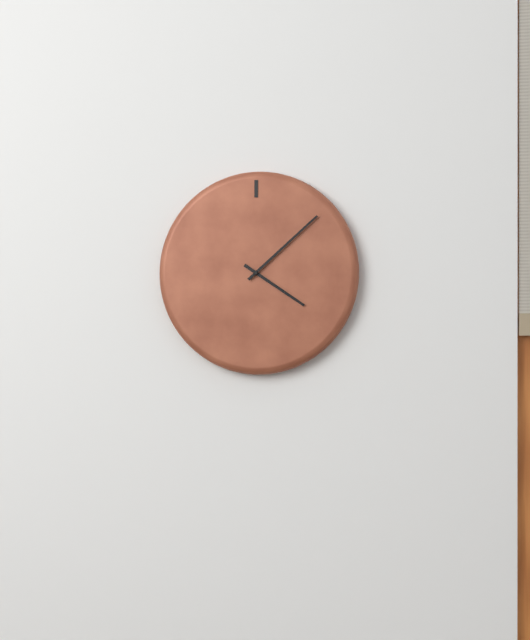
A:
4.08
